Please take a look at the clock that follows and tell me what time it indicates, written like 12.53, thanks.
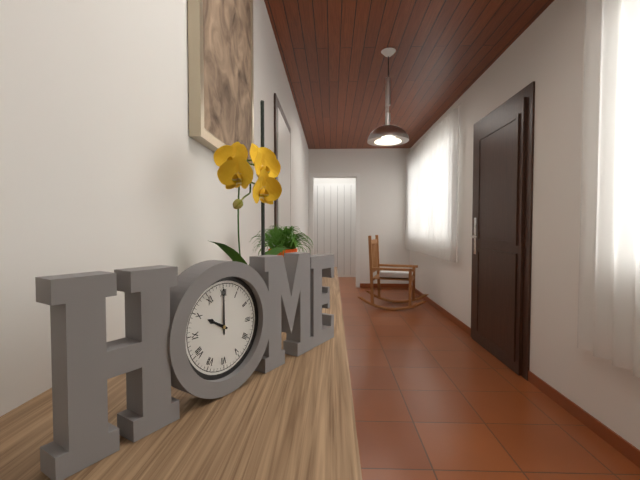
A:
10.00
